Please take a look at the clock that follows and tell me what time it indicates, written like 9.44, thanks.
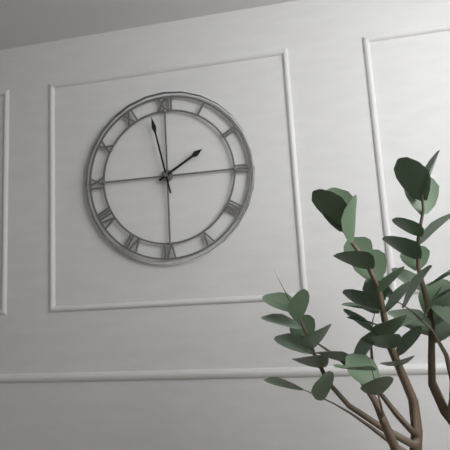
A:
1.58
